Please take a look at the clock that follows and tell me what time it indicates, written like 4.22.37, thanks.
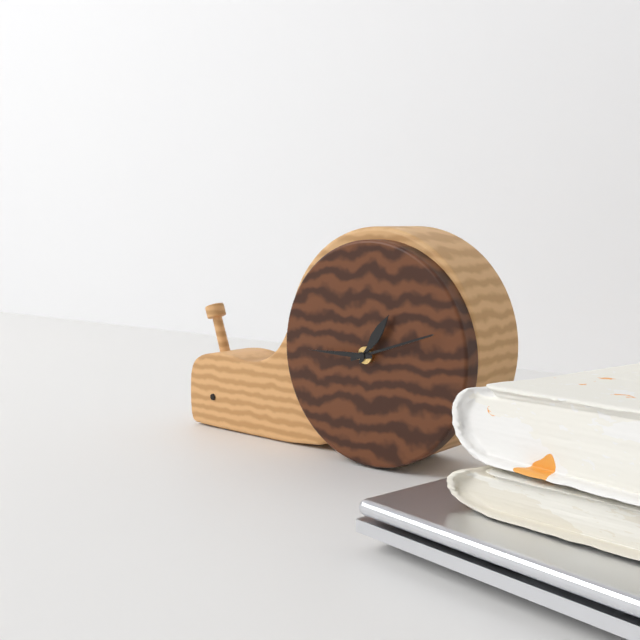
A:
1.12.45
